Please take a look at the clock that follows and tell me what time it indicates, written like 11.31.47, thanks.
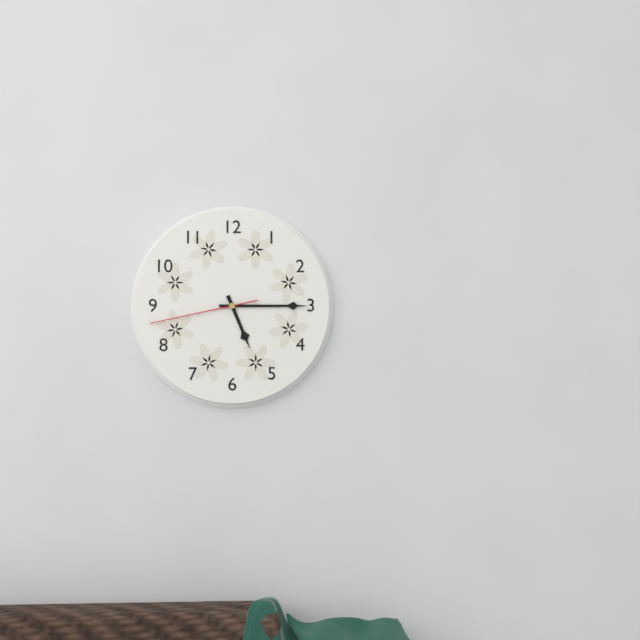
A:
5.15.43
